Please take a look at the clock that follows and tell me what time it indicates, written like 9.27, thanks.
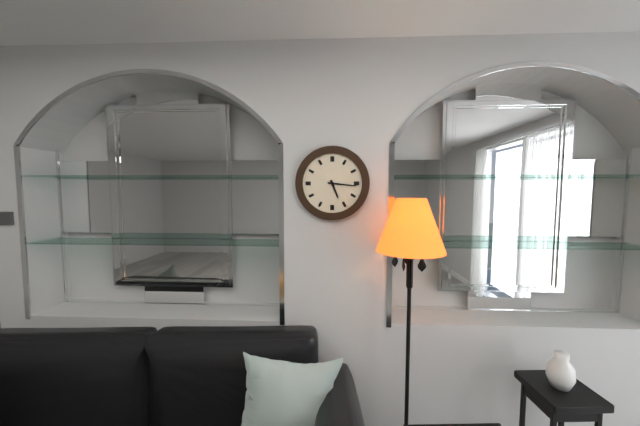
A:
5.16
